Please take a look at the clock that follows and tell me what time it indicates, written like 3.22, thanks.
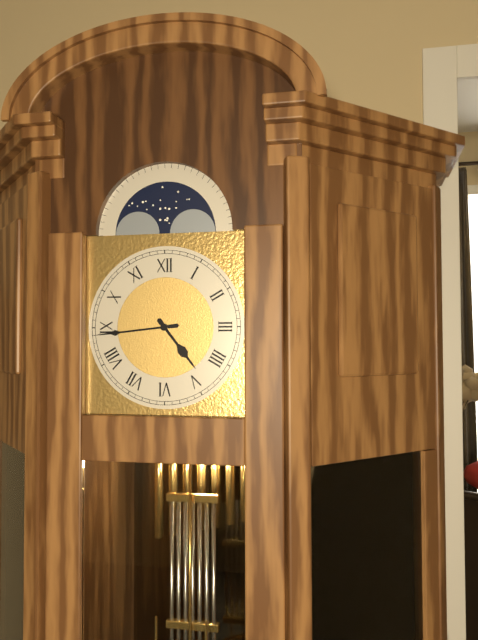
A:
4.44
